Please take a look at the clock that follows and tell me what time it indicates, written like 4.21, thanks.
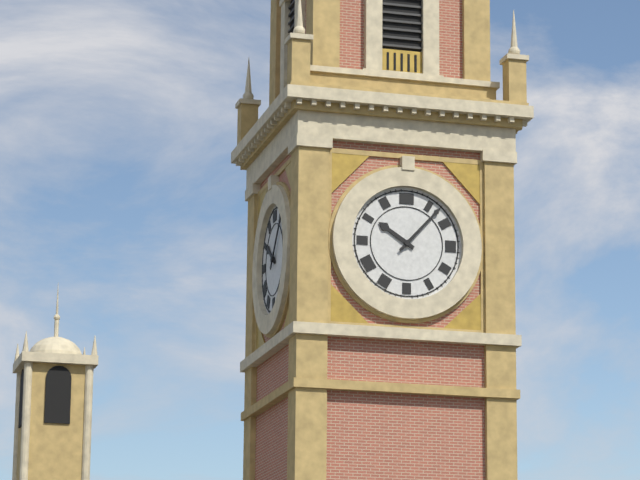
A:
10.07
